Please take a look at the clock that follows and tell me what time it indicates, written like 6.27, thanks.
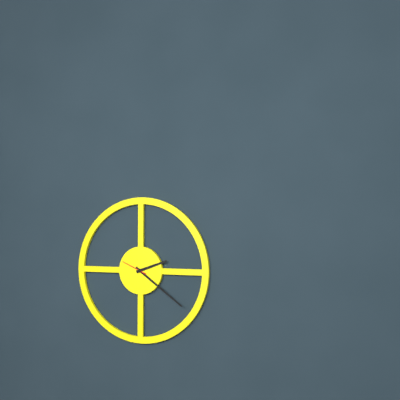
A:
2.21
